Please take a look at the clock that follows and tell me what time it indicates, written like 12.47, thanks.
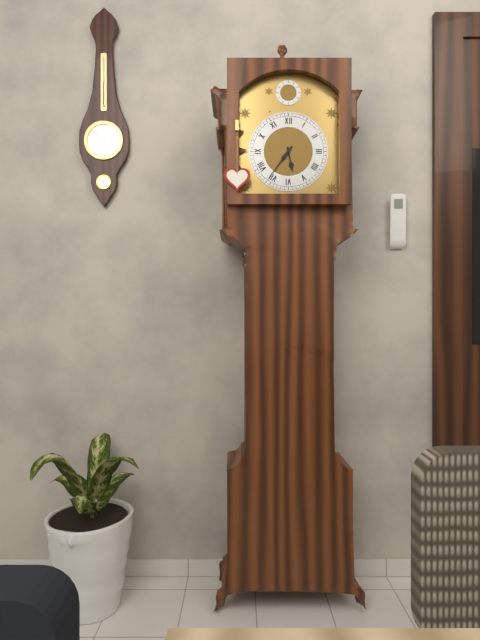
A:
5.36
